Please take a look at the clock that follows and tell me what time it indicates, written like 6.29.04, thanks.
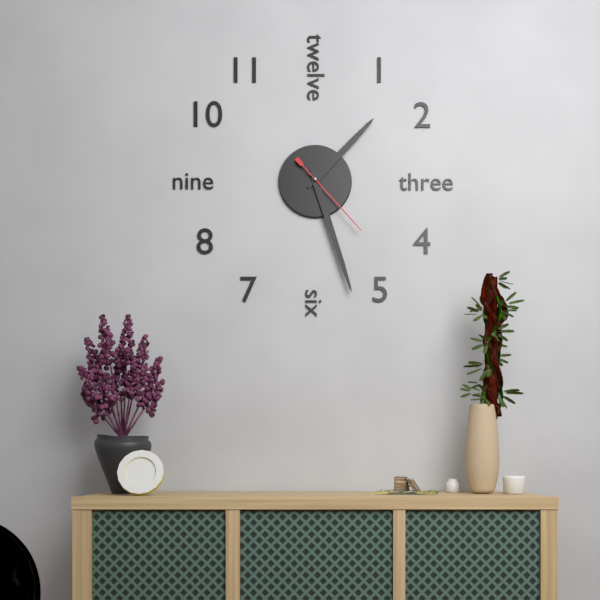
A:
1.27.23
